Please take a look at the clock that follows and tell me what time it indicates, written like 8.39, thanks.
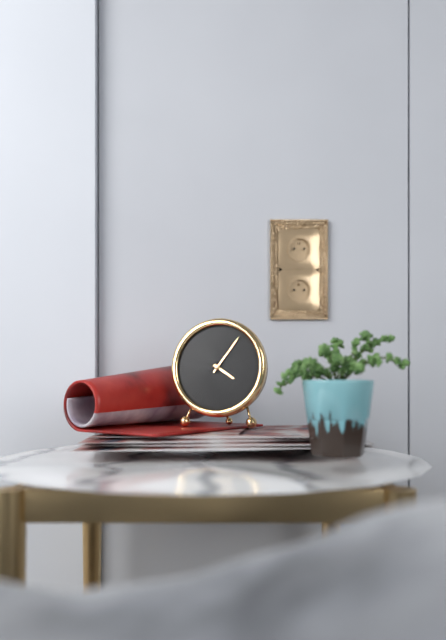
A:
4.06
